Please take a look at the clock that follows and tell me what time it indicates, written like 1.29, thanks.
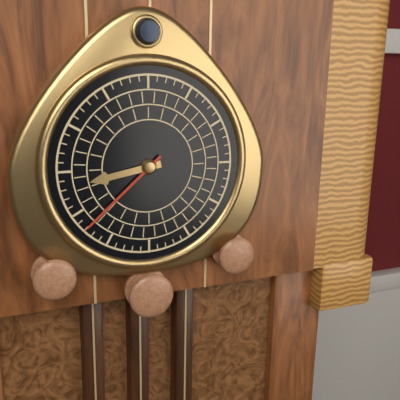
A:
8.38
